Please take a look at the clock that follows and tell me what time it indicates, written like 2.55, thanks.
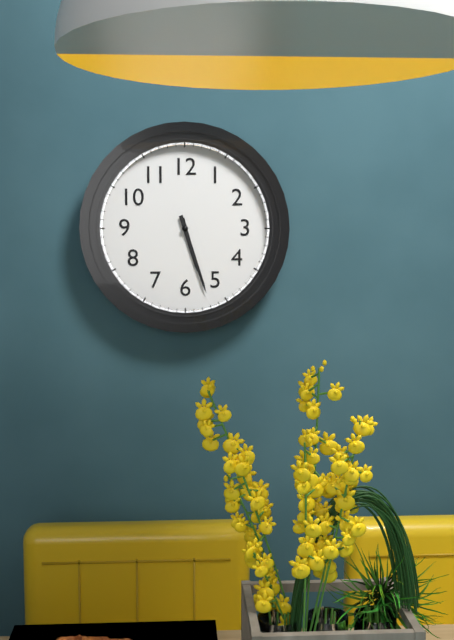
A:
5.27
